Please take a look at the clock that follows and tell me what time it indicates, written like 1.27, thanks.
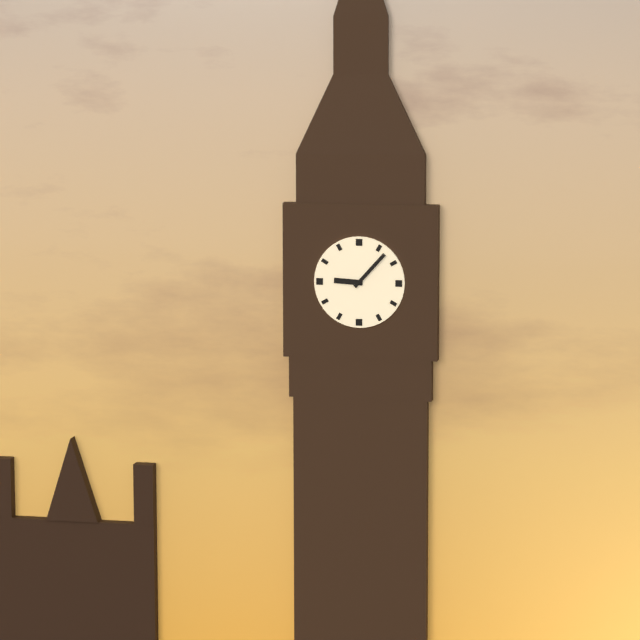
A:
9.07
